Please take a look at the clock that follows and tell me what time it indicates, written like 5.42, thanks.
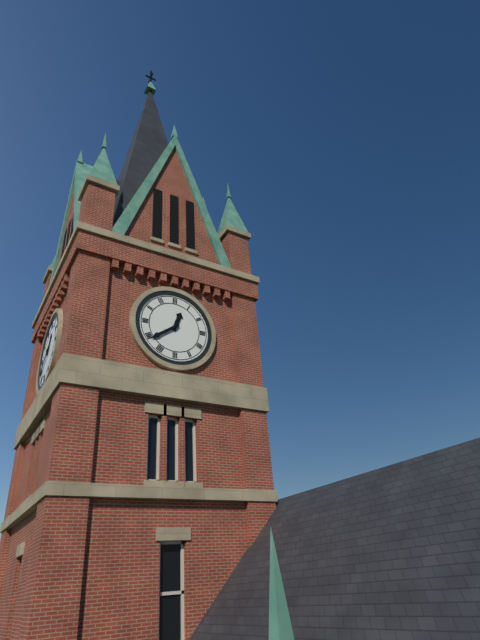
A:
12.39
